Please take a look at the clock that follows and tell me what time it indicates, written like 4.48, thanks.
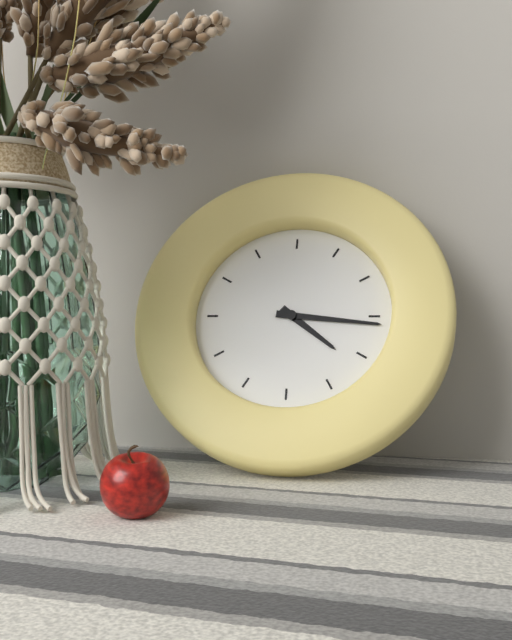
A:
4.16
